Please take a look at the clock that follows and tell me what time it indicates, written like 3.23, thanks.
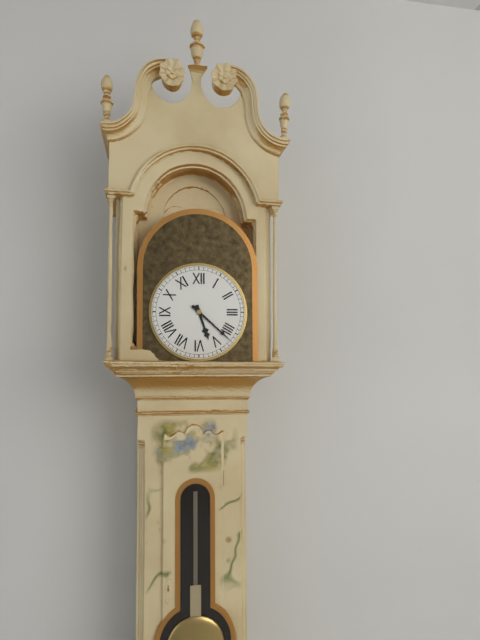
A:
5.22
